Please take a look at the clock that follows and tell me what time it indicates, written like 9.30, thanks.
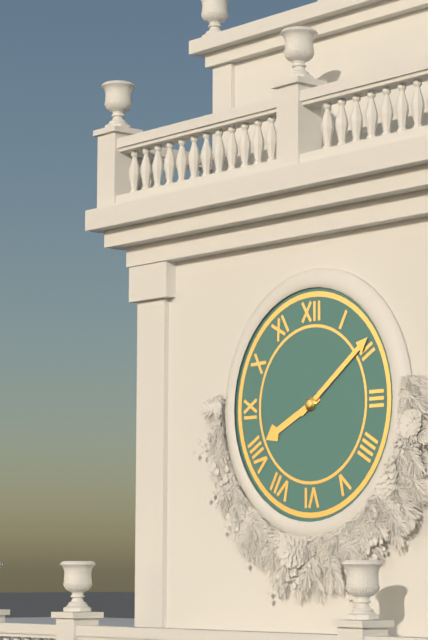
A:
8.09
